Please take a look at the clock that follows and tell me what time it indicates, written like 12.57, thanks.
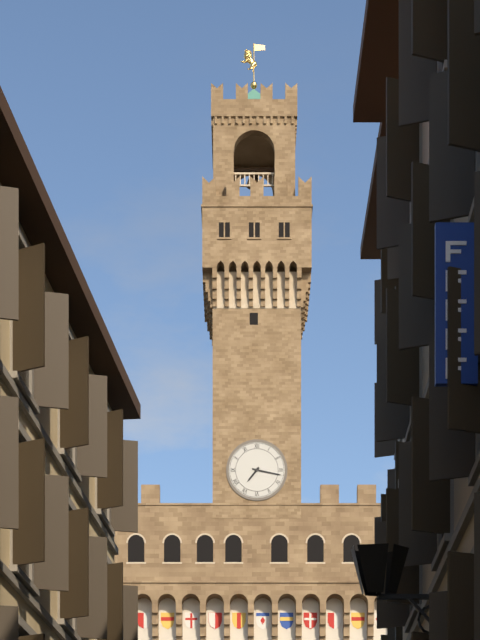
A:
7.17
